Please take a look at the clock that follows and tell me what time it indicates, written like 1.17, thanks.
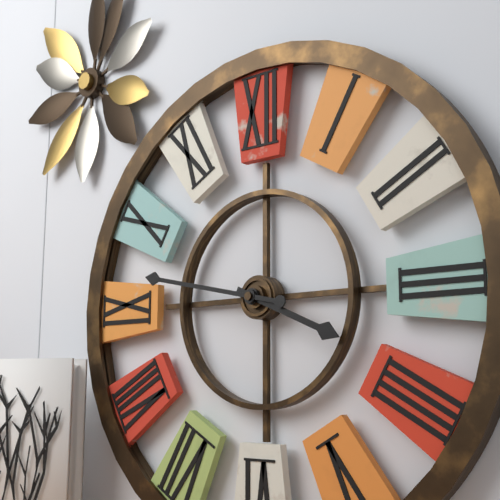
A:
3.47
